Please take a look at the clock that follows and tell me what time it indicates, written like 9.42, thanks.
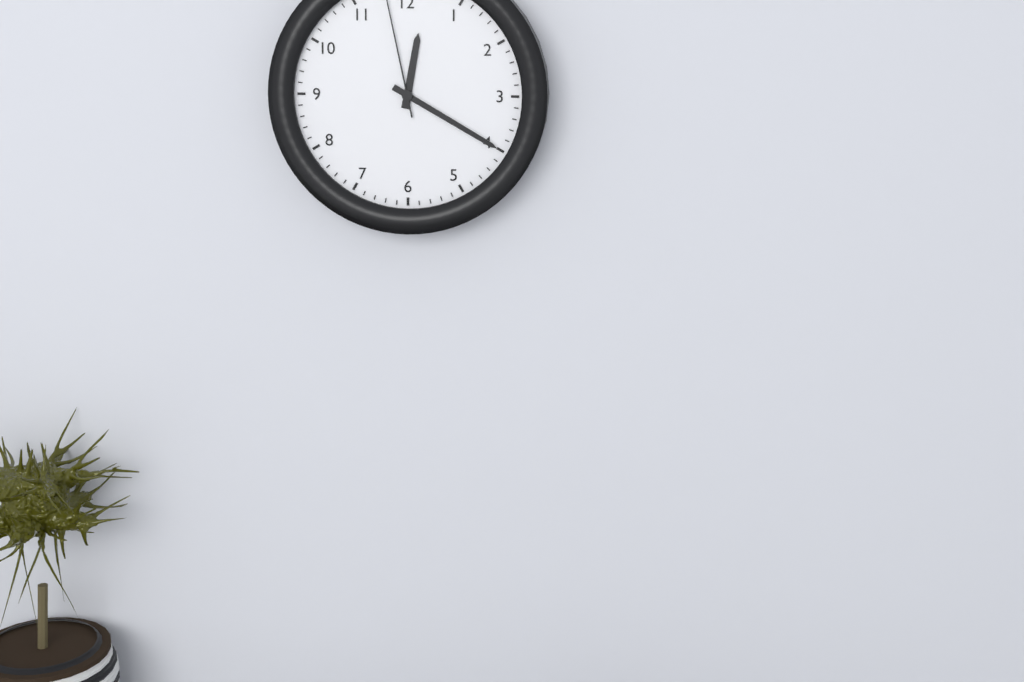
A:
12.20
